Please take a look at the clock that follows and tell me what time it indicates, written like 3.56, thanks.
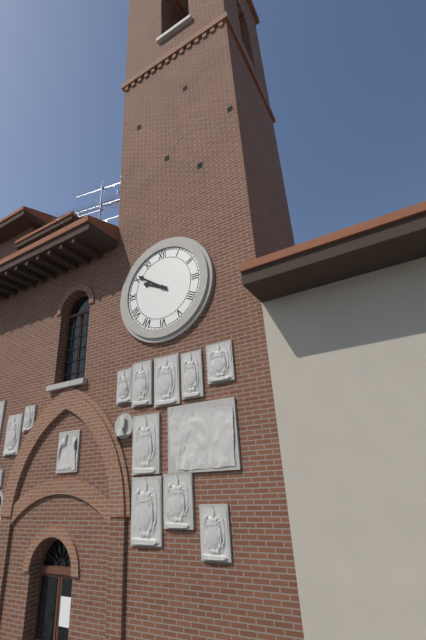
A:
9.51
